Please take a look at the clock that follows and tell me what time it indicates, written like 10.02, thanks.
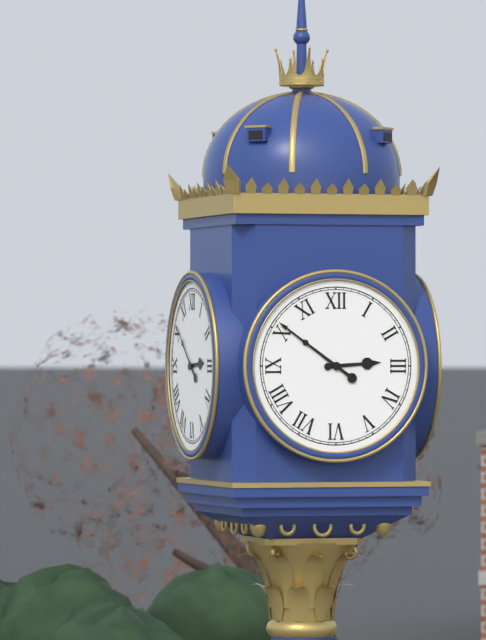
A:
2.51
